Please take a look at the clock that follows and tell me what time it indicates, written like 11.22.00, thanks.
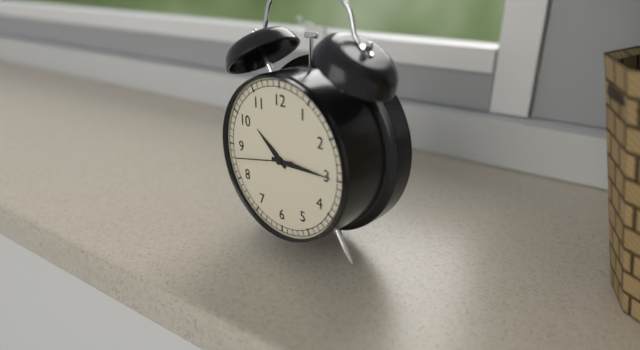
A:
10.15.43
